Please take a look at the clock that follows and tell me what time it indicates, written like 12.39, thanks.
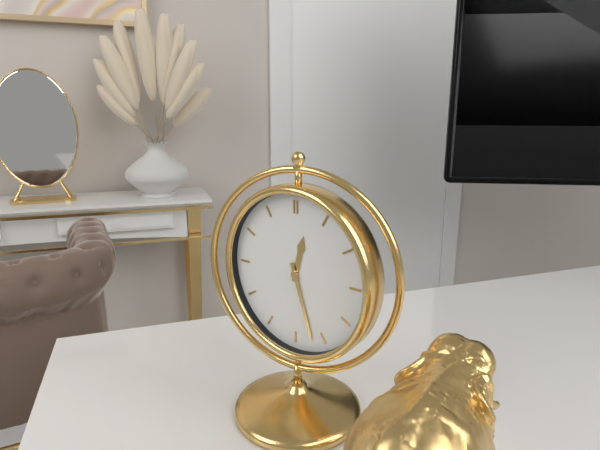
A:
12.27
